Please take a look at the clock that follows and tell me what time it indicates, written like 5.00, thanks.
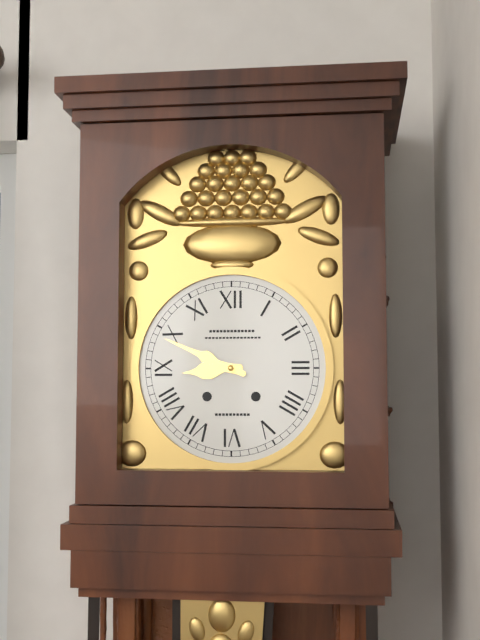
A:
8.49
